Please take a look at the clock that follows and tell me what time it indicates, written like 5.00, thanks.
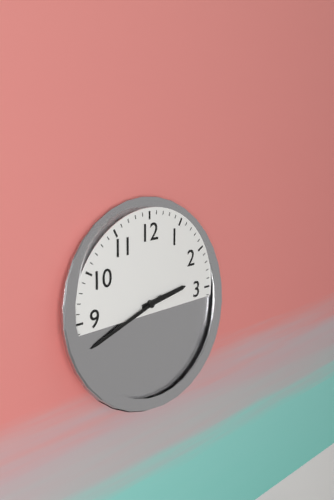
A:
2.42
